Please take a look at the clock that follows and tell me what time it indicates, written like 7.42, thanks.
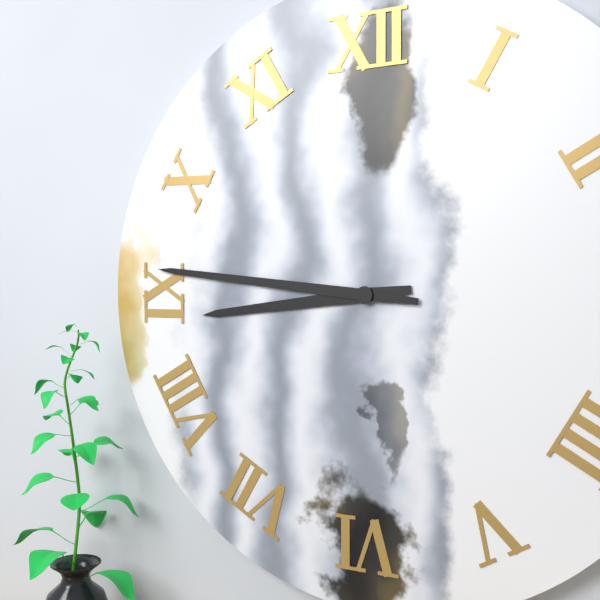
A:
8.46
